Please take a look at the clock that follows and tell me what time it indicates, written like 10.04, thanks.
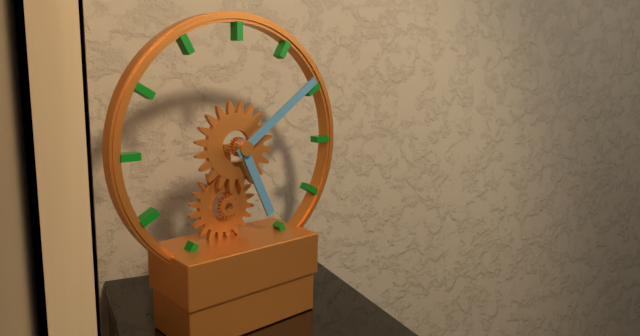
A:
5.09
